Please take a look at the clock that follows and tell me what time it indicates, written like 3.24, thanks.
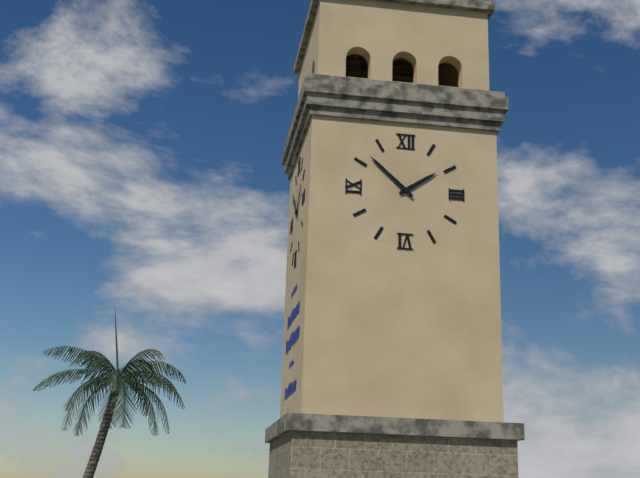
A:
1.52
